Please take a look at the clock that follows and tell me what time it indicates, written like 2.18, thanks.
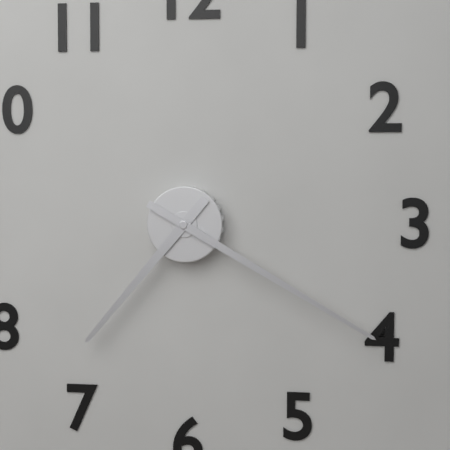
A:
7.20
